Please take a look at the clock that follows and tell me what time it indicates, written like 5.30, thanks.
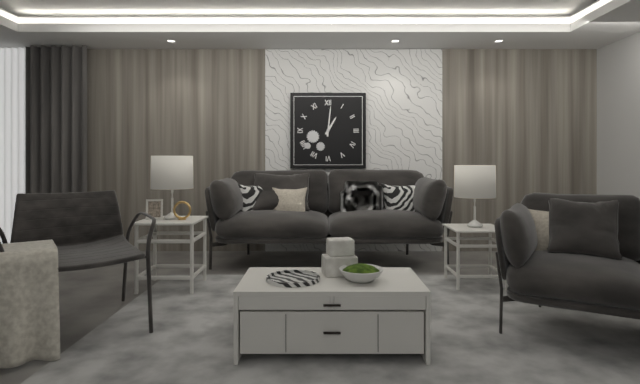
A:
1.01
